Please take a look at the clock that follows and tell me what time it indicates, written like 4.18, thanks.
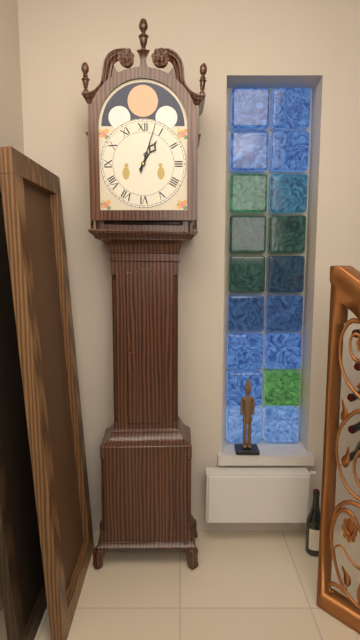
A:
1.03
